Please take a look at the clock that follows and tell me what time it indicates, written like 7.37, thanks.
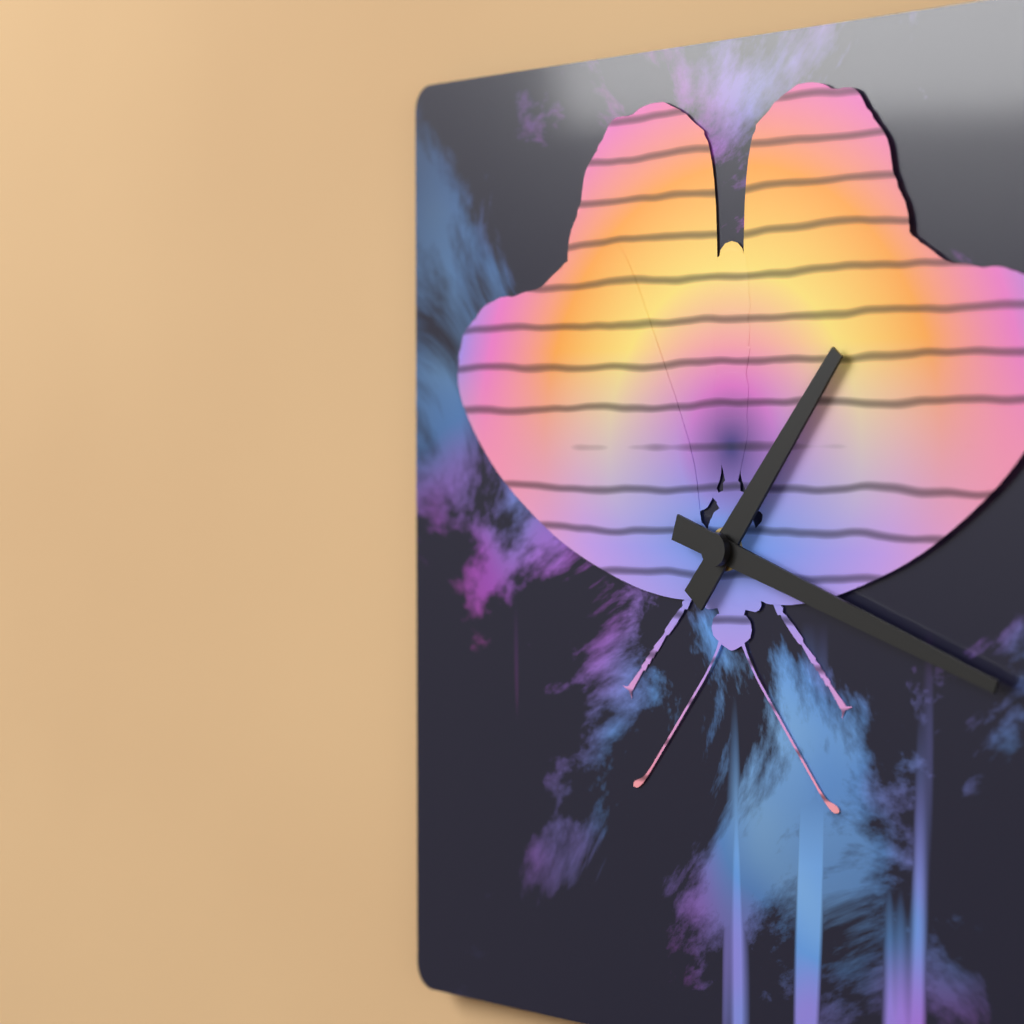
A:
1.18
